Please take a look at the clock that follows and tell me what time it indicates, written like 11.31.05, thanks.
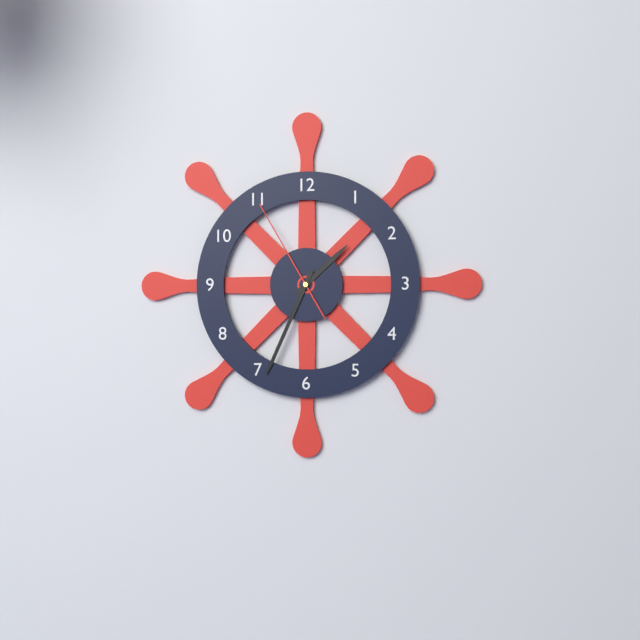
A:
1.34.55
